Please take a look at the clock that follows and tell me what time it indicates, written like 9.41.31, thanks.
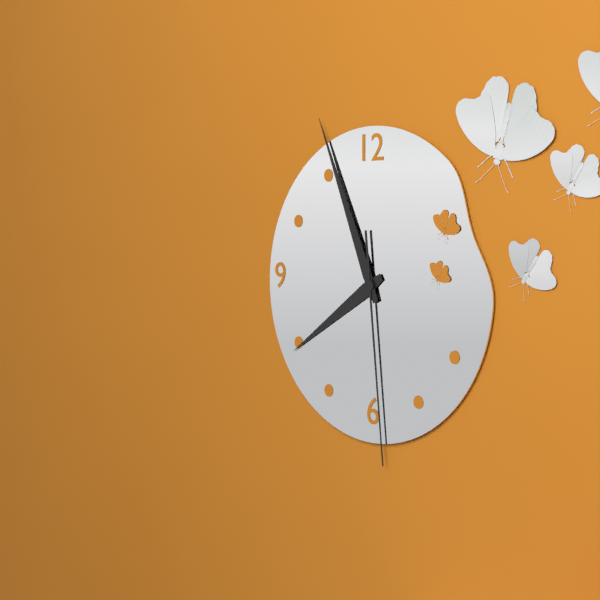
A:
7.56.29
